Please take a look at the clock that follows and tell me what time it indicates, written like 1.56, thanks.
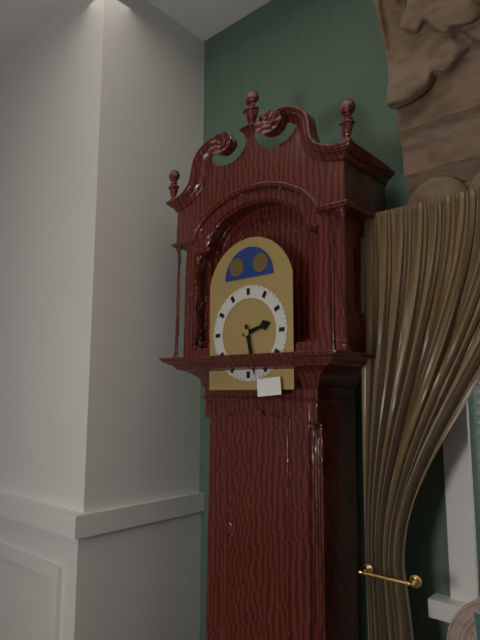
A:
2.28
